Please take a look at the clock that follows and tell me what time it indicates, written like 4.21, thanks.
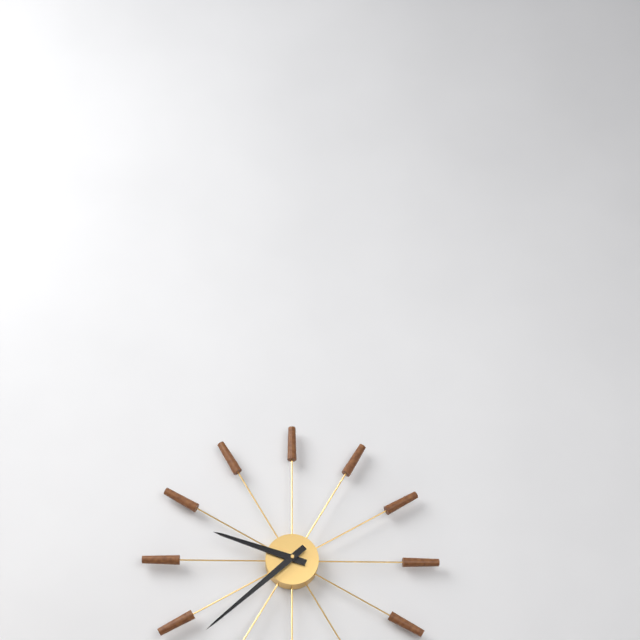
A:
9.38
